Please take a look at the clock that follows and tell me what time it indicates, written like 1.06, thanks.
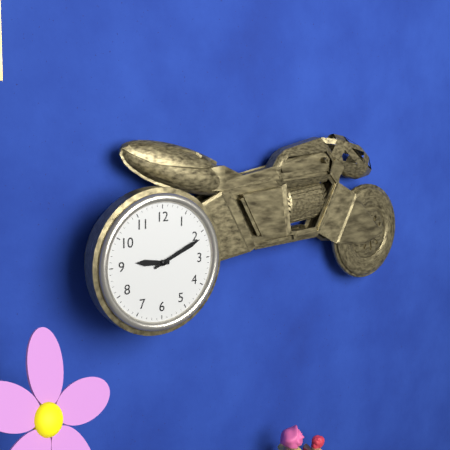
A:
9.11
